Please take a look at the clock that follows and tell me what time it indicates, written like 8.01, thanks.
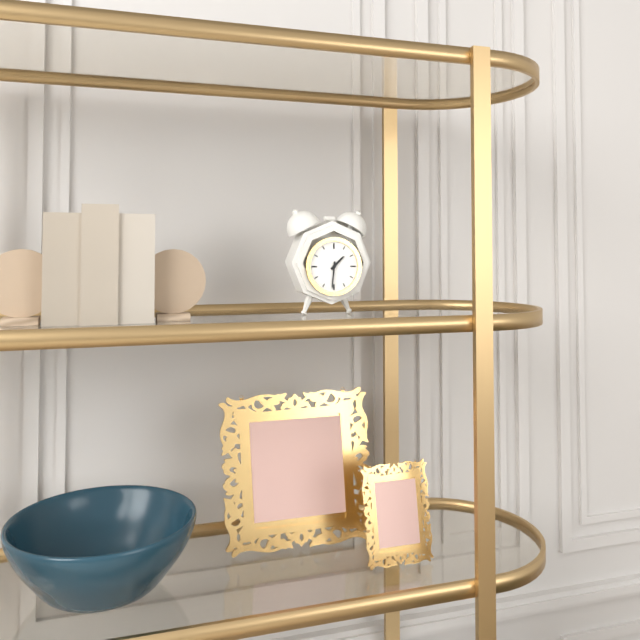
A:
1.31
